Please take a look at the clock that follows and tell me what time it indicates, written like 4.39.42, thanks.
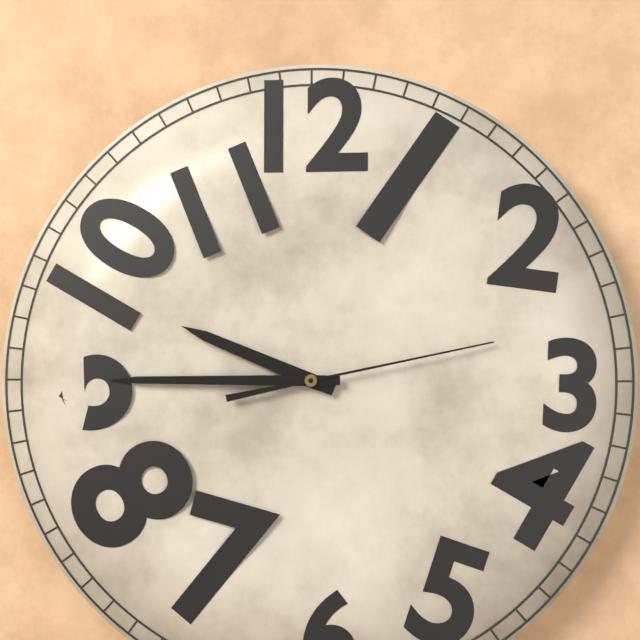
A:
9.45.13
